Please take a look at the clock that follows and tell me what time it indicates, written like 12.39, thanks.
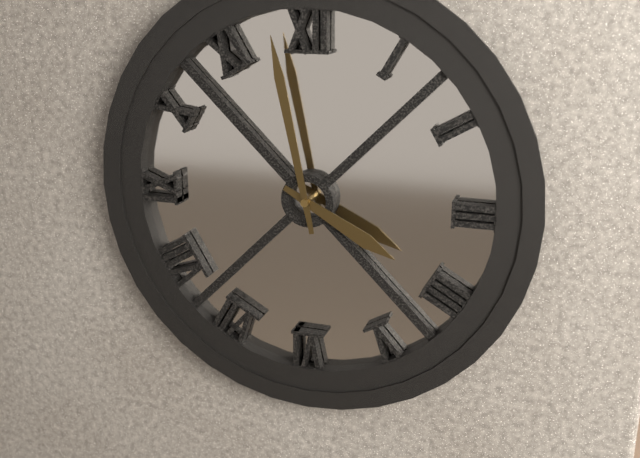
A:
3.58
